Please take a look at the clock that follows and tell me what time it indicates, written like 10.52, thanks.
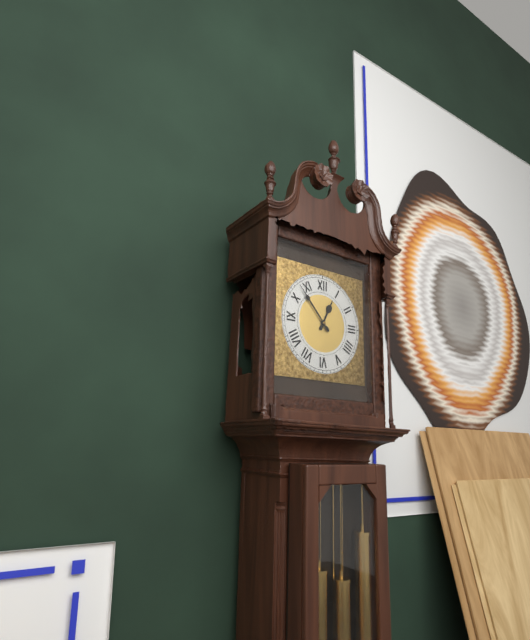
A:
12.53
